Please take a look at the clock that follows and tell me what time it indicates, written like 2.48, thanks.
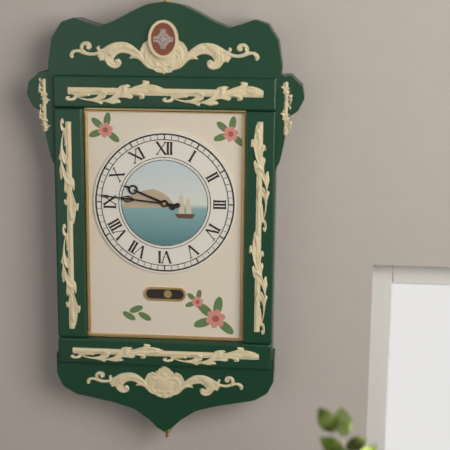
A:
9.46
